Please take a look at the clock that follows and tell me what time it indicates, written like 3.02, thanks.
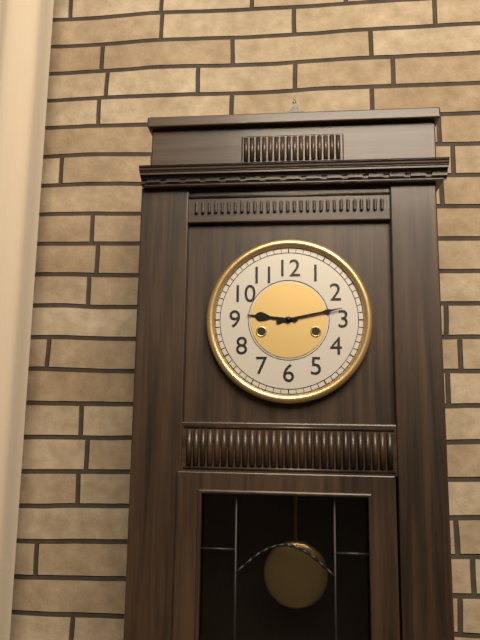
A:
9.13
